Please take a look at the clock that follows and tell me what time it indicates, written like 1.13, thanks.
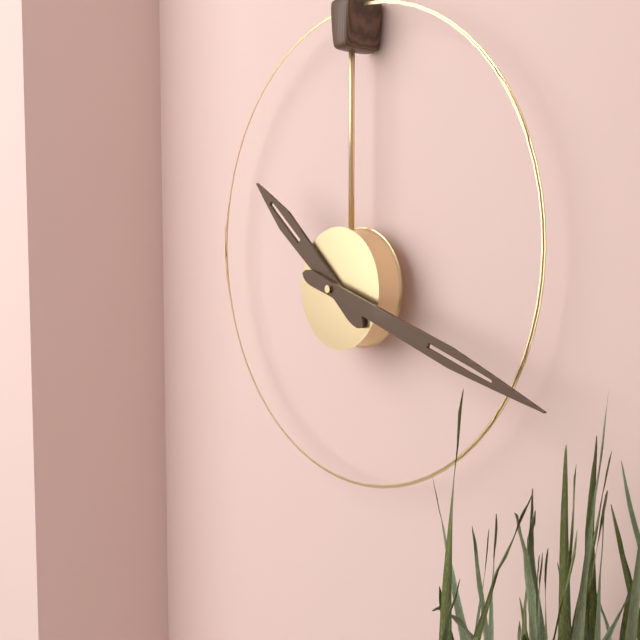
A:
10.18
